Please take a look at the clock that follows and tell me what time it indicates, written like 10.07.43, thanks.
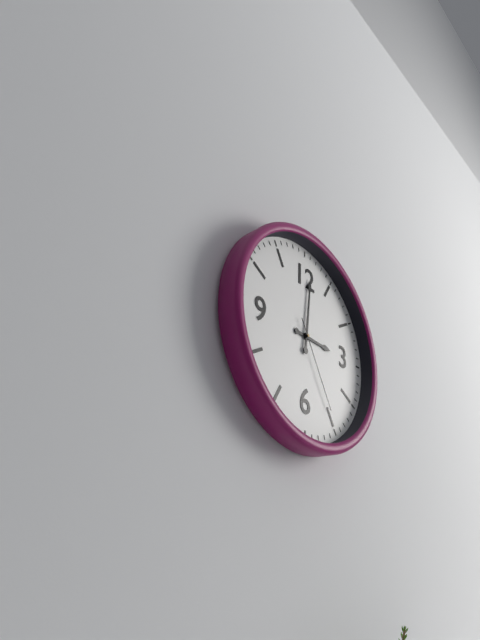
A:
3.01.25
